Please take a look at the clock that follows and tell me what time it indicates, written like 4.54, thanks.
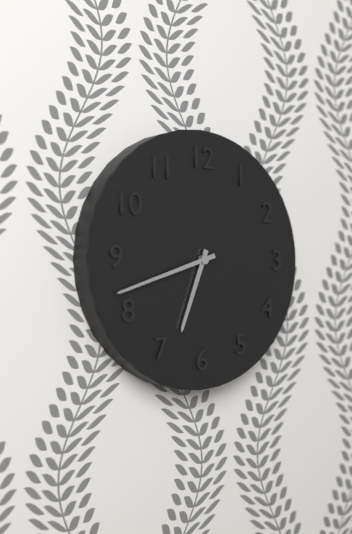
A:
6.42
